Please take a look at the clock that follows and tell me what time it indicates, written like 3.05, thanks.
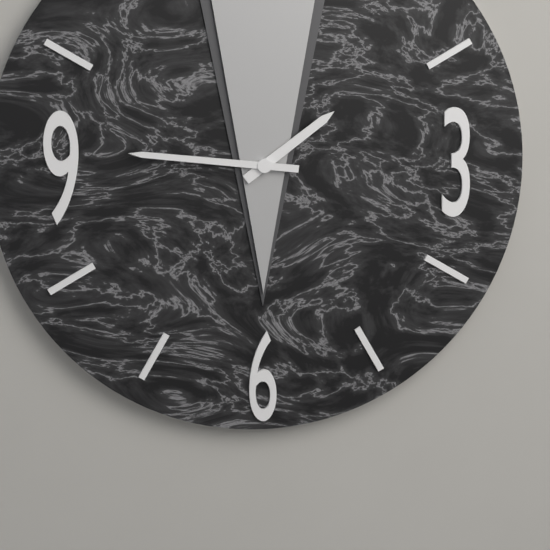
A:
1.46
